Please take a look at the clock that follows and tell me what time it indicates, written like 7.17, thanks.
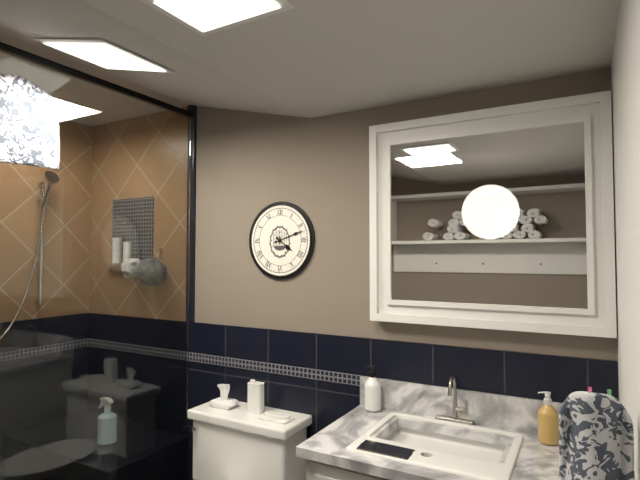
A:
4.12
